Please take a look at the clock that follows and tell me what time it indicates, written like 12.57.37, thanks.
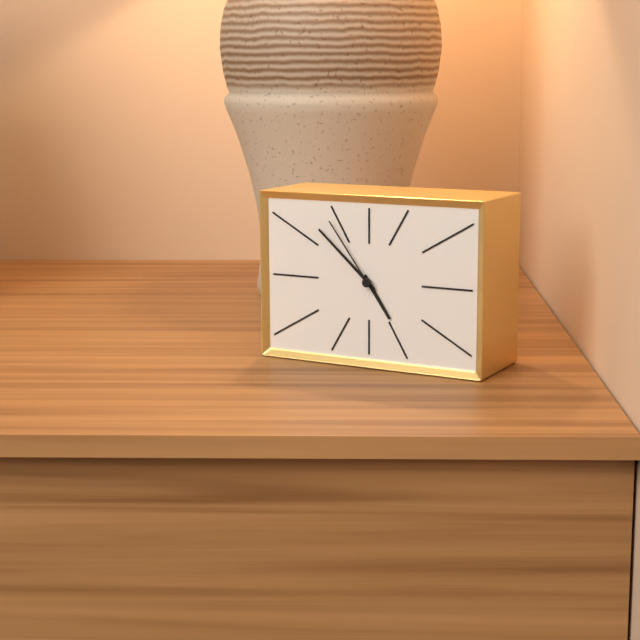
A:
4.52.54
